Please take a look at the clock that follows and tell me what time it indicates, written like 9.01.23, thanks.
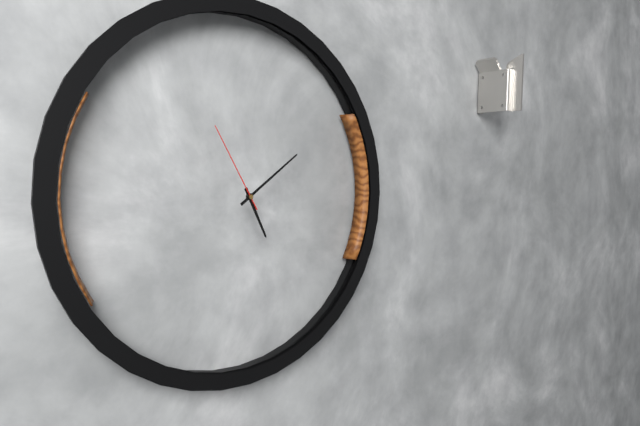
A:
5.09.55
